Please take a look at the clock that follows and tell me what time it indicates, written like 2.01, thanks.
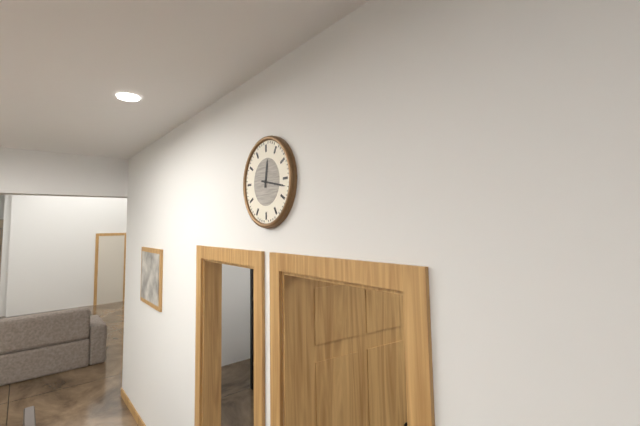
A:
12.17
